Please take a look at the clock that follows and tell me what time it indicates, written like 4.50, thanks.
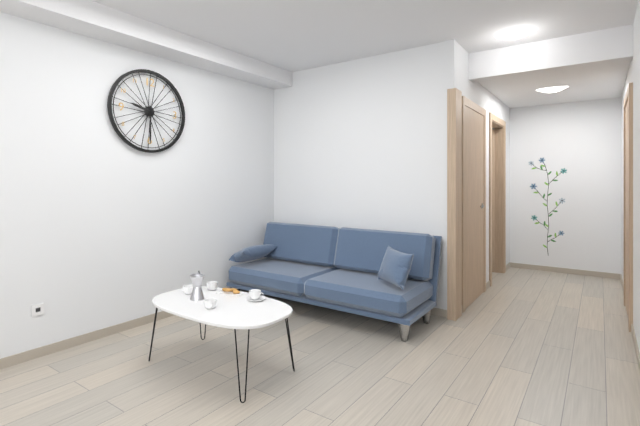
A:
9.30
